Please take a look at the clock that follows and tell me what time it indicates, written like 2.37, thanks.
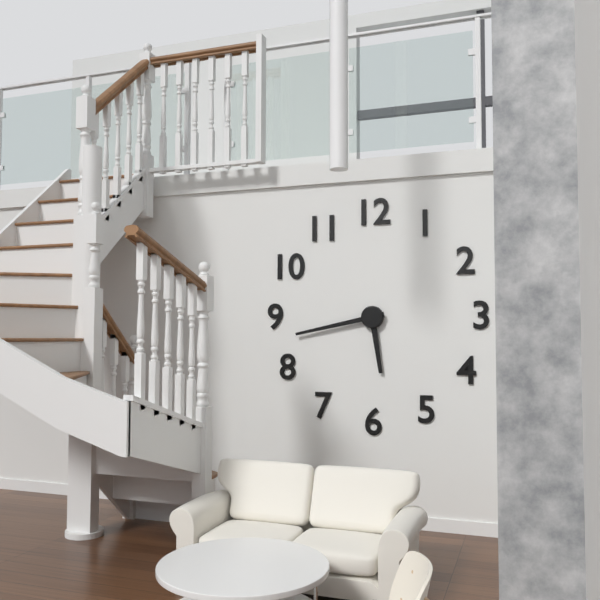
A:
5.43
